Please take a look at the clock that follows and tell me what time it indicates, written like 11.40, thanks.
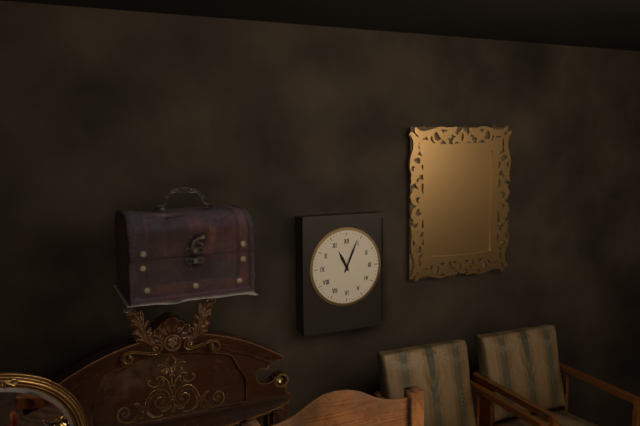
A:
11.04
